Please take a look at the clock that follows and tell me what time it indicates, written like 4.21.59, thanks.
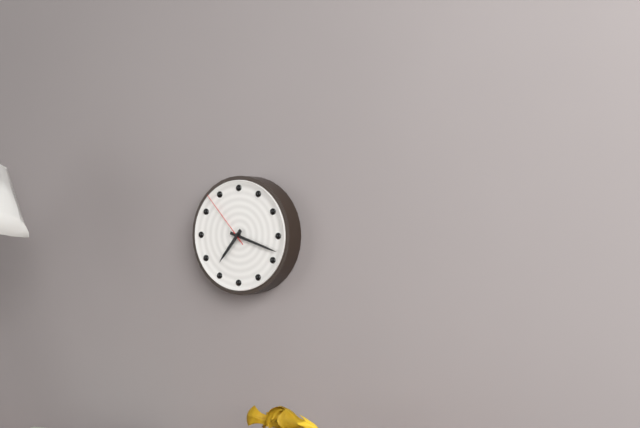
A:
7.18.53
